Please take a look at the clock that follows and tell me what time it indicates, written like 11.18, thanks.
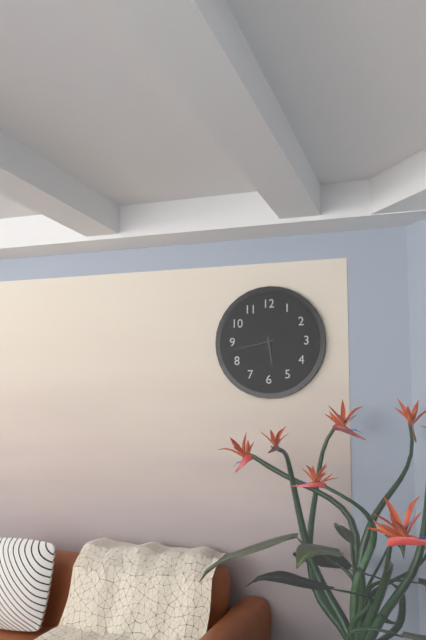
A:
5.43
